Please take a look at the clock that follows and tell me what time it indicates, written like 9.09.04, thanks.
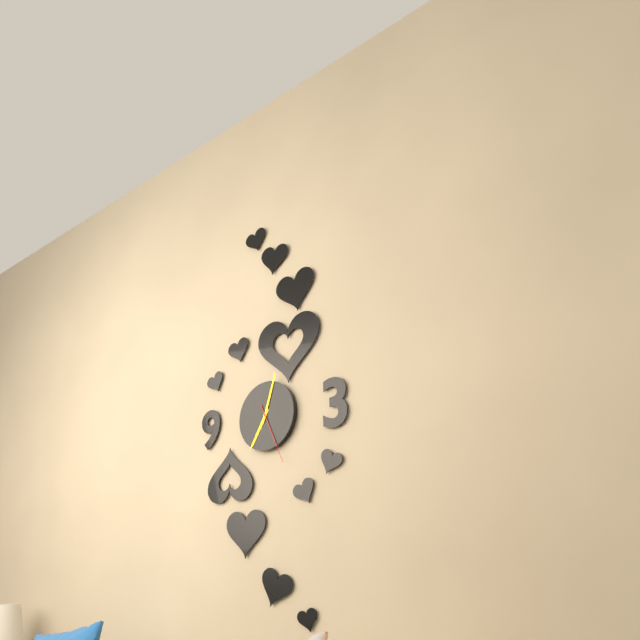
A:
7.03.26
